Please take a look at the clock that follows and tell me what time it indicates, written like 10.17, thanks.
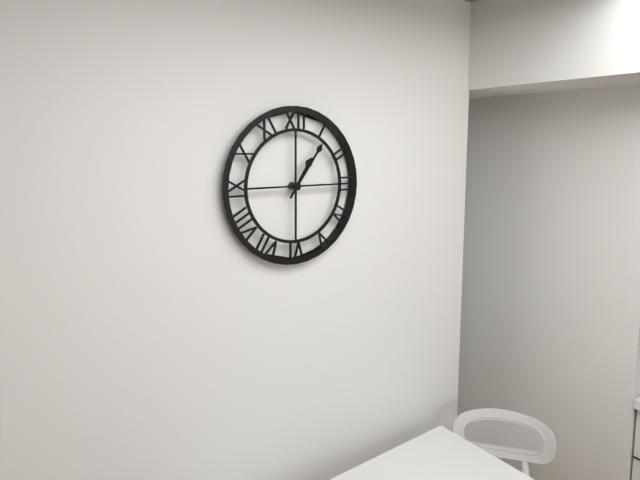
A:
1.06
